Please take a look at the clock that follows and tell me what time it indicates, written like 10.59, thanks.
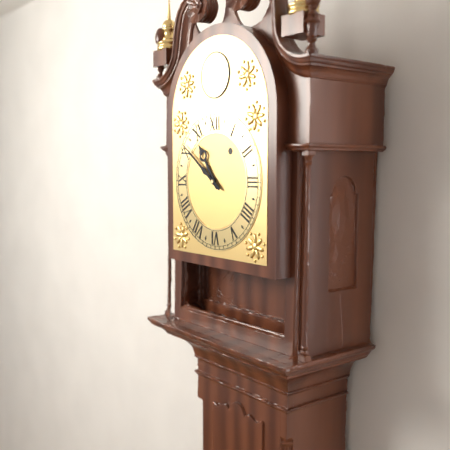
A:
10.51
